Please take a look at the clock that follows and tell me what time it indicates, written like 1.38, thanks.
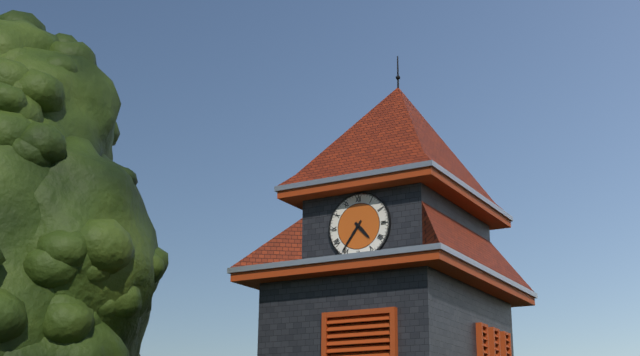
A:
4.36
